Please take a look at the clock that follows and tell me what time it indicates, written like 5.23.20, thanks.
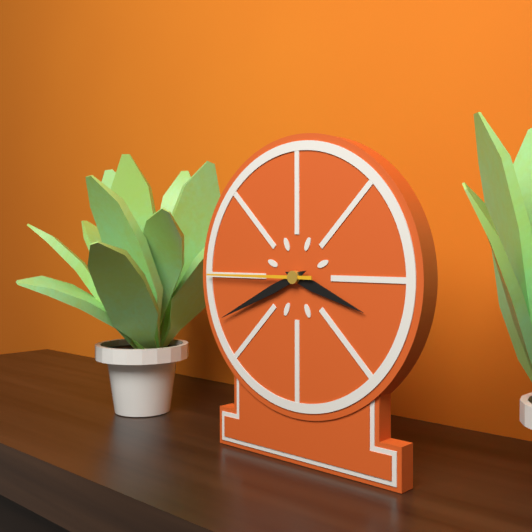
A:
3.41.45
